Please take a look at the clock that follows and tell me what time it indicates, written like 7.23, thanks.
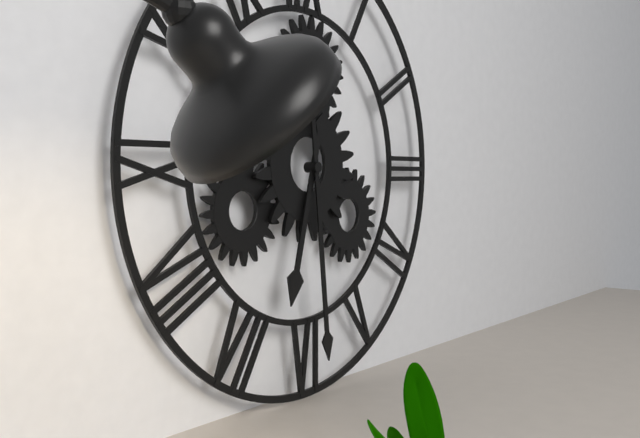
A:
6.29
